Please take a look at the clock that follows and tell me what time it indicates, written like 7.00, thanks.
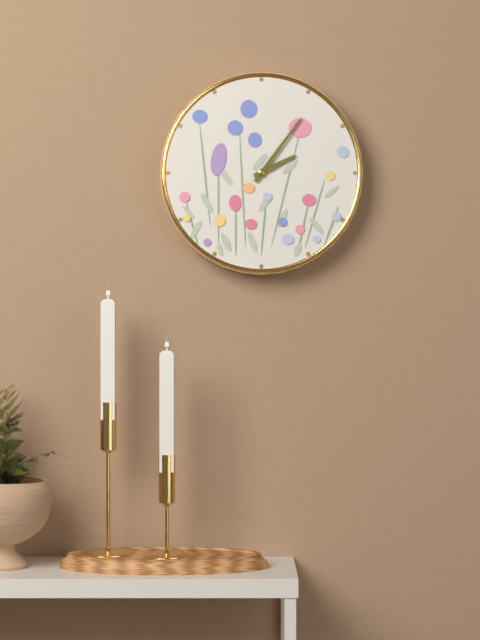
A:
2.06
